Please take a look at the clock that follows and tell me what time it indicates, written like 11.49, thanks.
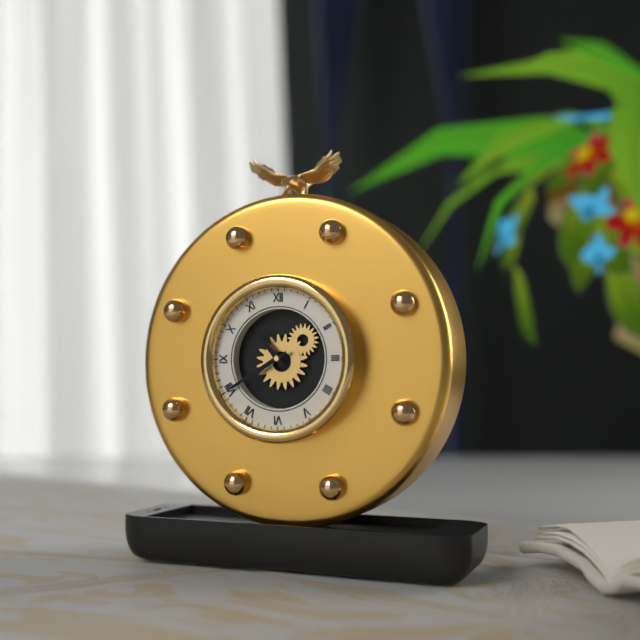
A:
10.40
